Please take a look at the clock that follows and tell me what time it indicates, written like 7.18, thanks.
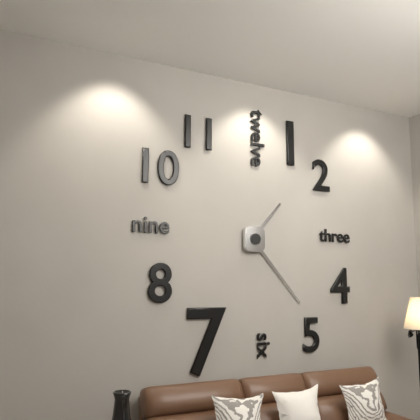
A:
1.23
